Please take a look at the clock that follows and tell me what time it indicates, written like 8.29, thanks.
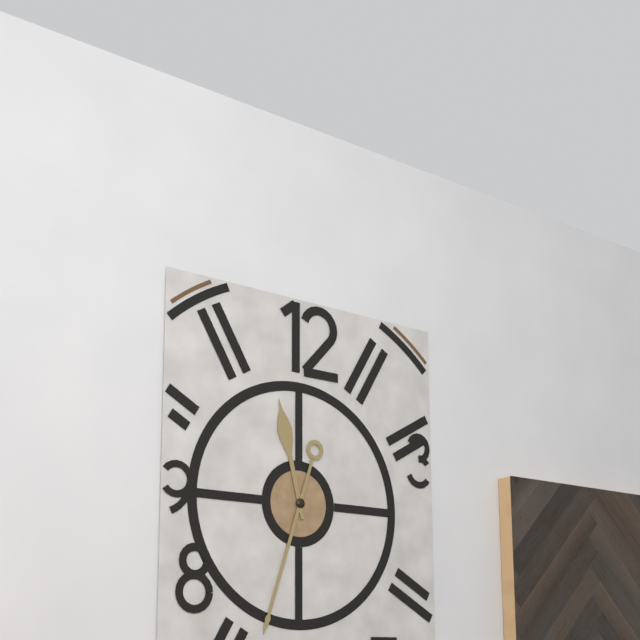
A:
11.33
